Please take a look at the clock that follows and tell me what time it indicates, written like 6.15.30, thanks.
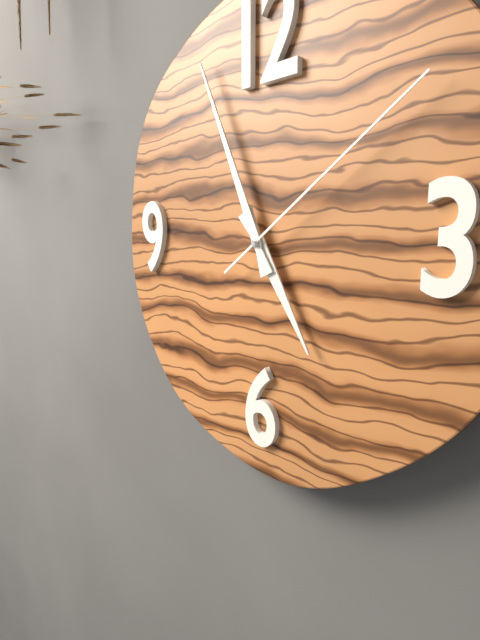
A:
4.56.09
